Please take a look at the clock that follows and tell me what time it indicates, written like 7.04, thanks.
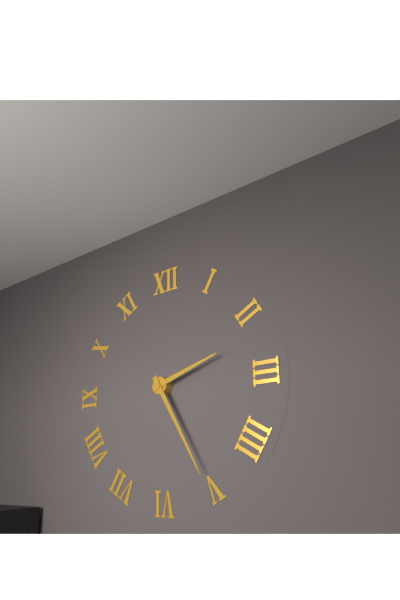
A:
2.25
